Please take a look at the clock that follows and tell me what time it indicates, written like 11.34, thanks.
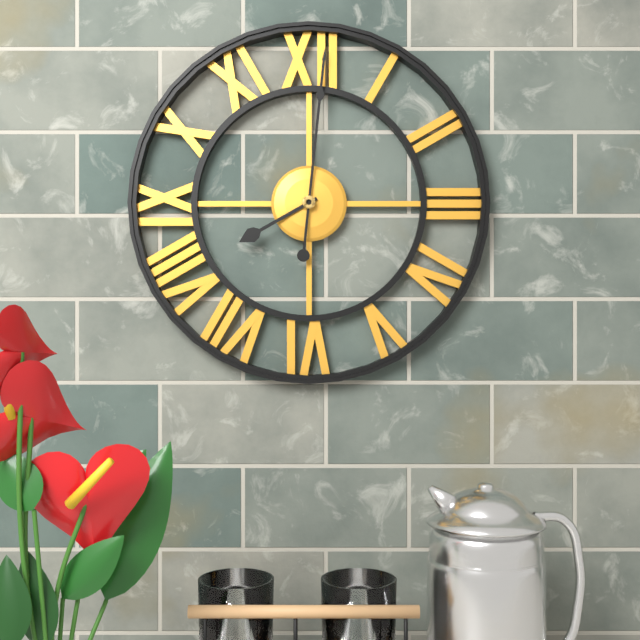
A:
8.01
